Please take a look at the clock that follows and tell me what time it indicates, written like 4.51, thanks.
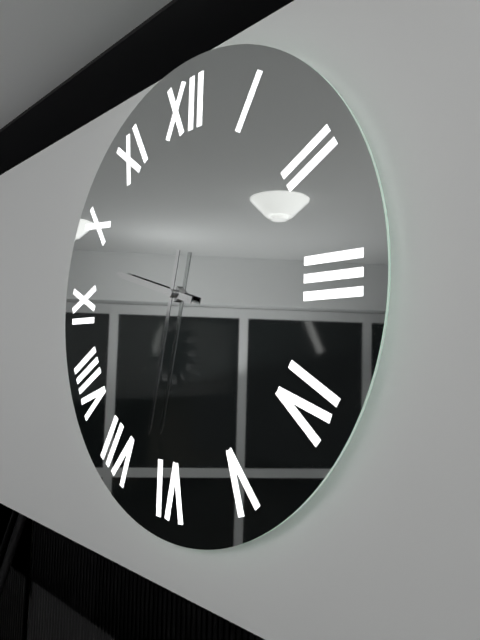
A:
9.32
